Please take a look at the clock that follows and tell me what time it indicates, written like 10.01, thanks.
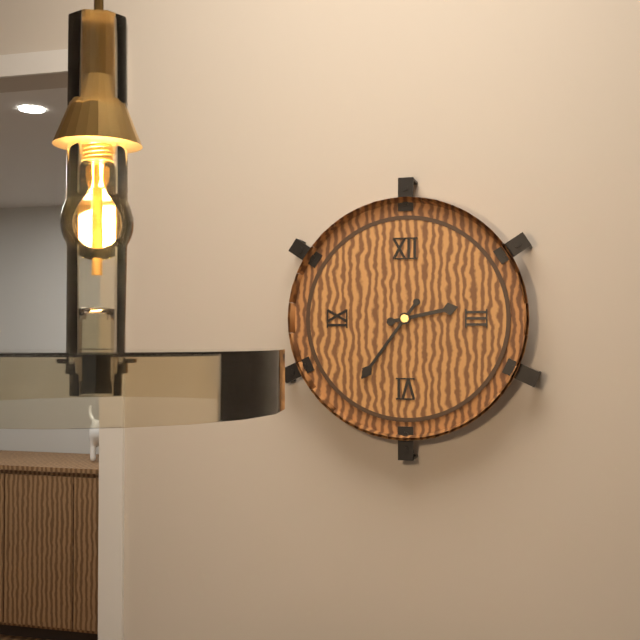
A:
2.36
